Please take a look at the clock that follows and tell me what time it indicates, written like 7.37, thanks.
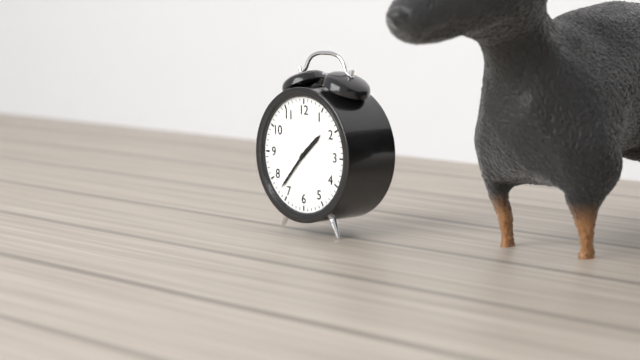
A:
1.37
